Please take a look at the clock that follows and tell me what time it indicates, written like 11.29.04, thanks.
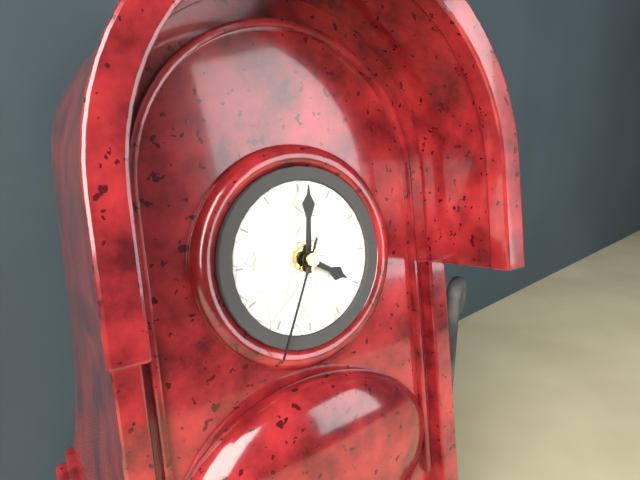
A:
4.01.34
